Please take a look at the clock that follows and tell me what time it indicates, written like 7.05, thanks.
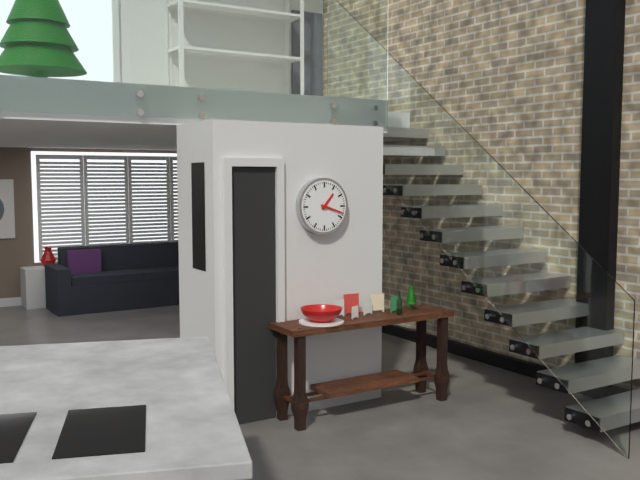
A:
1.18
